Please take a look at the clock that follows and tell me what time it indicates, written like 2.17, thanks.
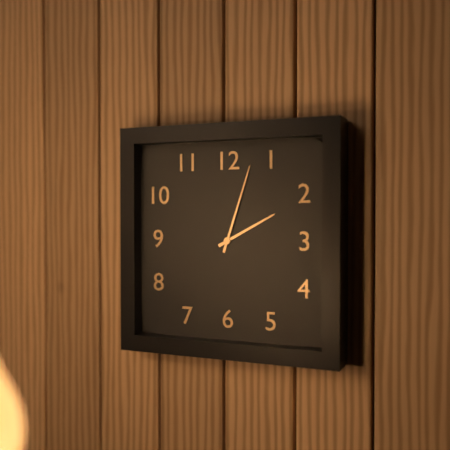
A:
2.03
